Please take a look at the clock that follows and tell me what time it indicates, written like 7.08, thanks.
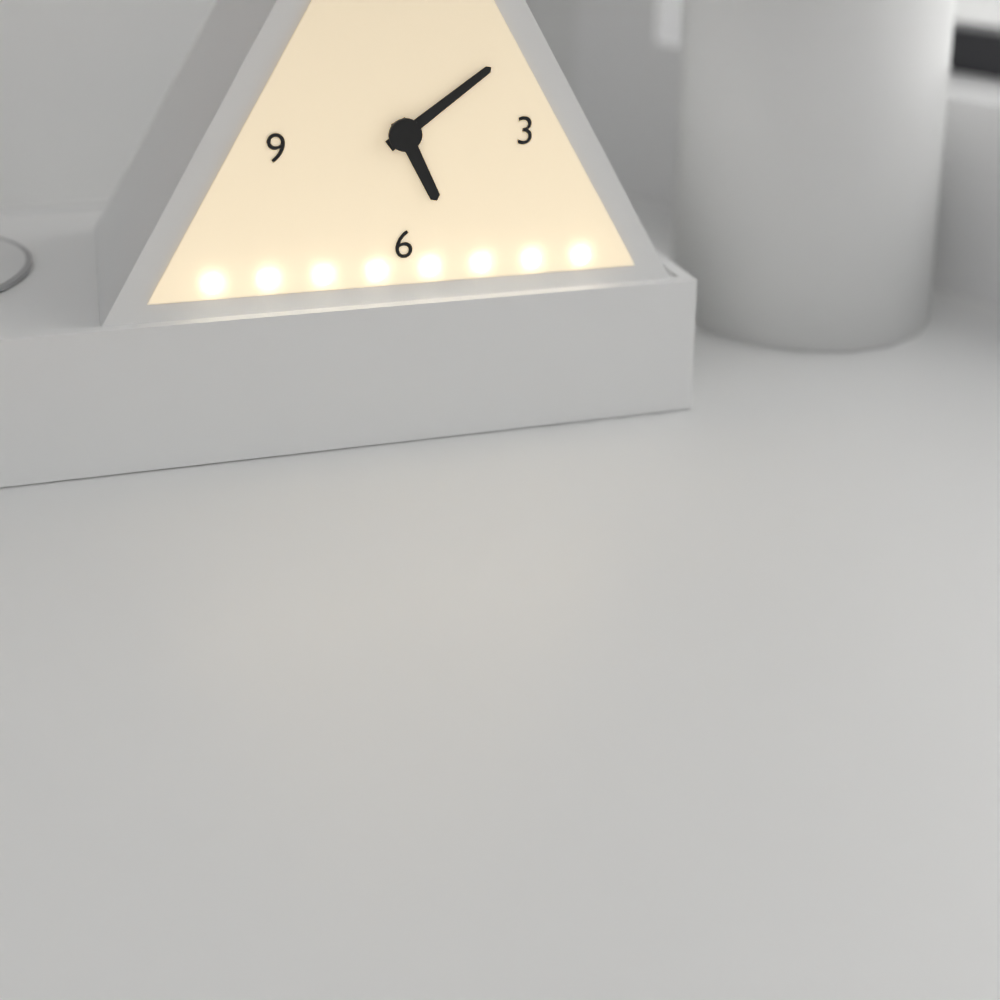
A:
5.09
